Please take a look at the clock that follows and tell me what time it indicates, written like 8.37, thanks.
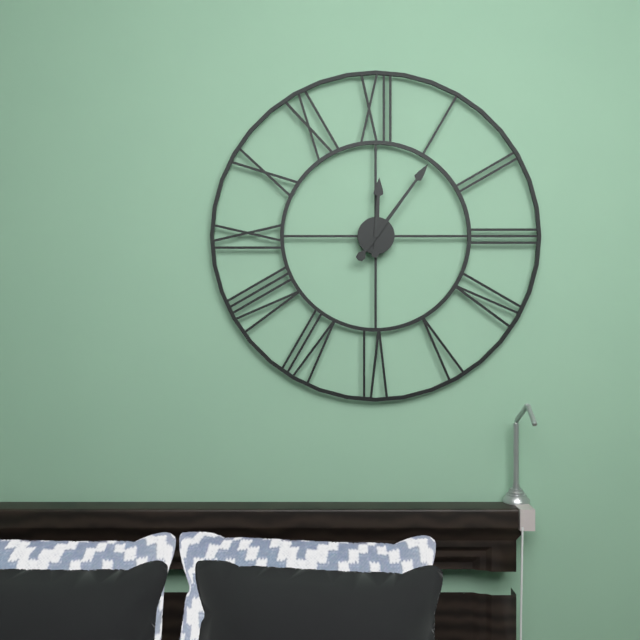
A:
12.06
